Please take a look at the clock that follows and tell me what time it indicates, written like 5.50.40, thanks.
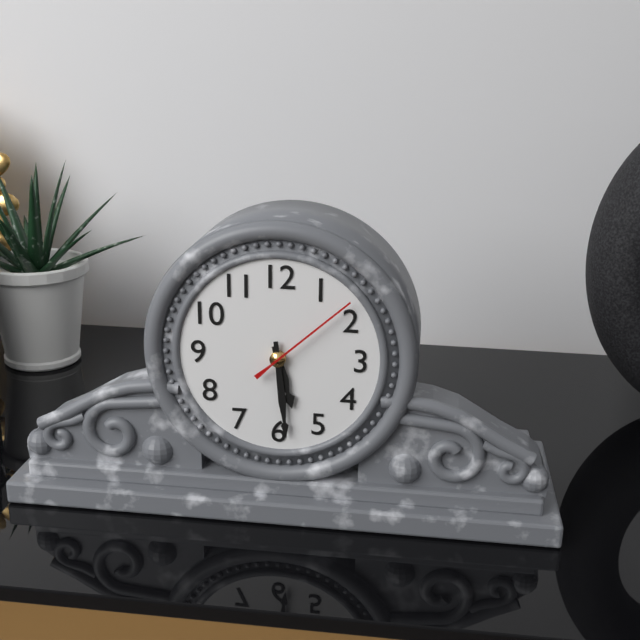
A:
5.29.08
